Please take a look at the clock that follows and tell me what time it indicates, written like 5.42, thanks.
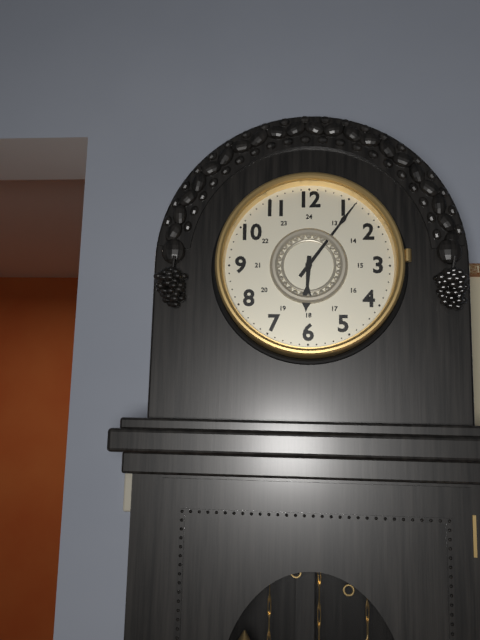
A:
6.06
